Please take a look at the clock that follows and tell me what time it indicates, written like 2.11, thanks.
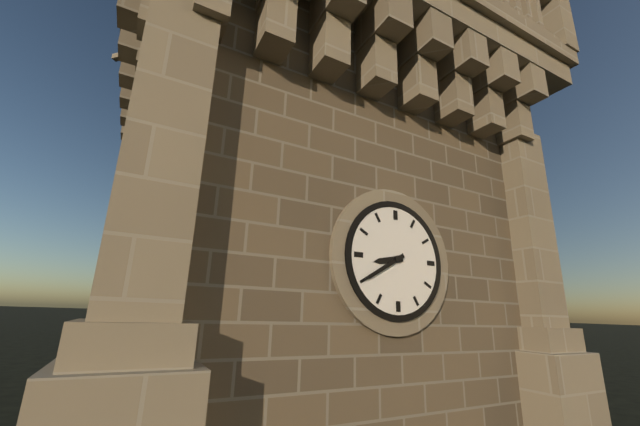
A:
8.40
